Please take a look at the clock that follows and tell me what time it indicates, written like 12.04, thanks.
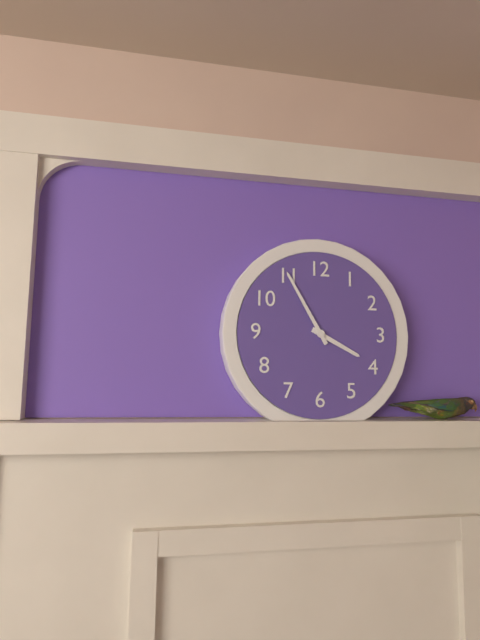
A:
3.55
